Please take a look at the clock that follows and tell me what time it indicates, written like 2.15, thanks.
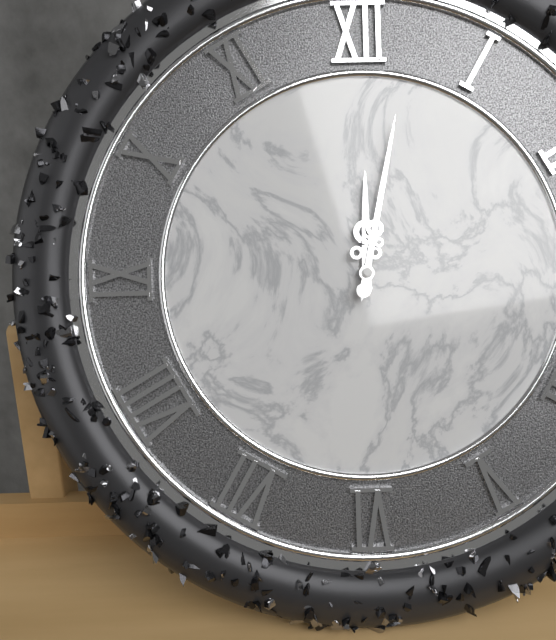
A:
12.02
